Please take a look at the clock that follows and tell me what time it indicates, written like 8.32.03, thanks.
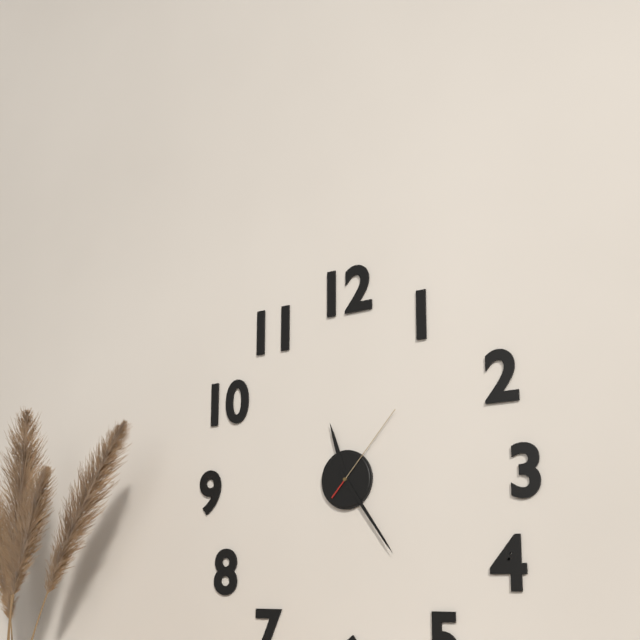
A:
11.24.07
